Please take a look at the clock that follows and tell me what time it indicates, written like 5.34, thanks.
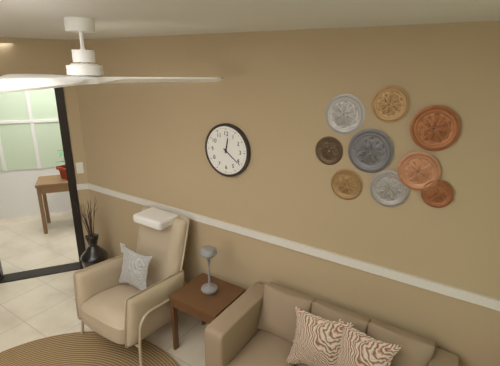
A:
12.21
